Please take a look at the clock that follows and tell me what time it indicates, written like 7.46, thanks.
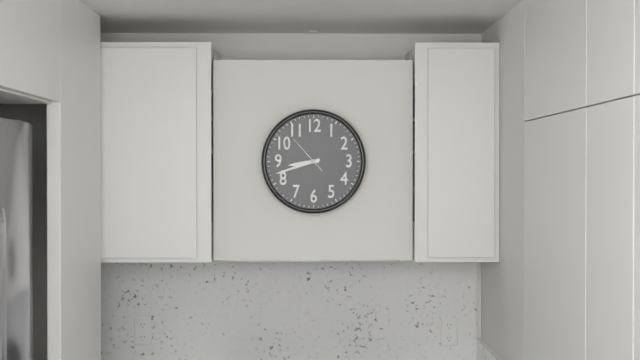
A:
8.42
